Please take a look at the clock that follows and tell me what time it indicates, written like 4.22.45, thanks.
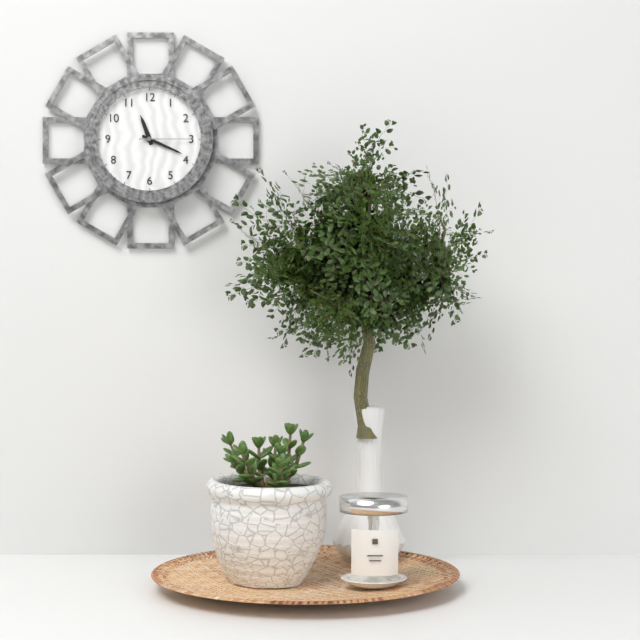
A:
11.19.15
